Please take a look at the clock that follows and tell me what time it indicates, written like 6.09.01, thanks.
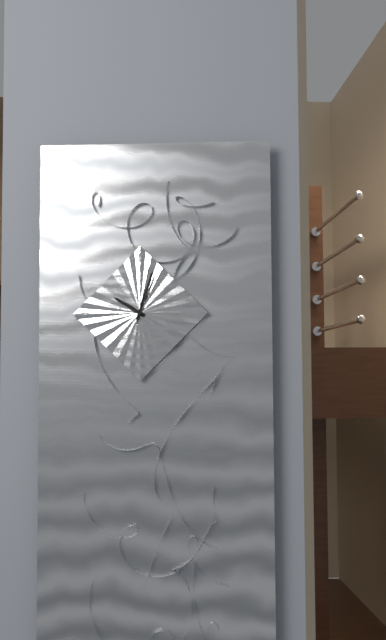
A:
10.03.02
